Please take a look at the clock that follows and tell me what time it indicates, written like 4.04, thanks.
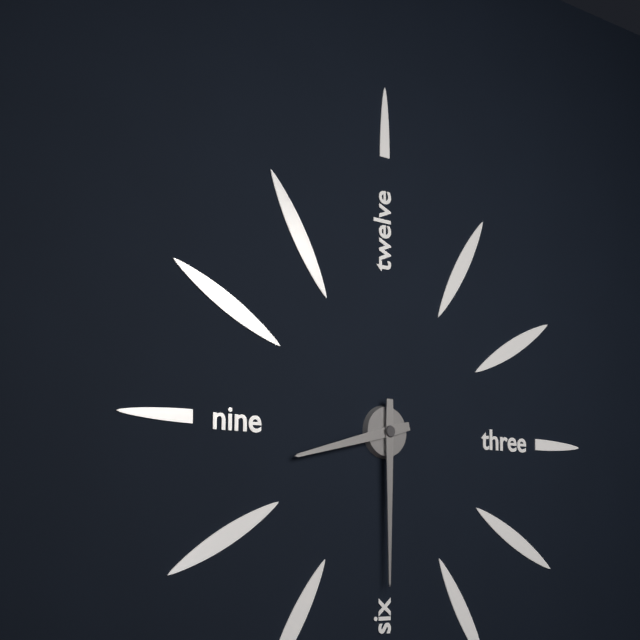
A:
8.30
